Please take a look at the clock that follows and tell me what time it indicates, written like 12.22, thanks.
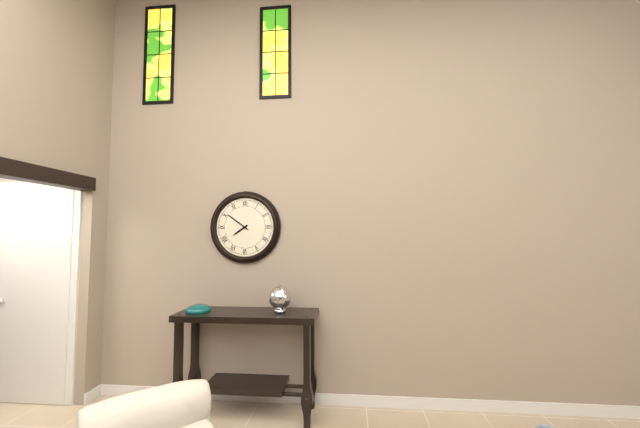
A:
7.51
